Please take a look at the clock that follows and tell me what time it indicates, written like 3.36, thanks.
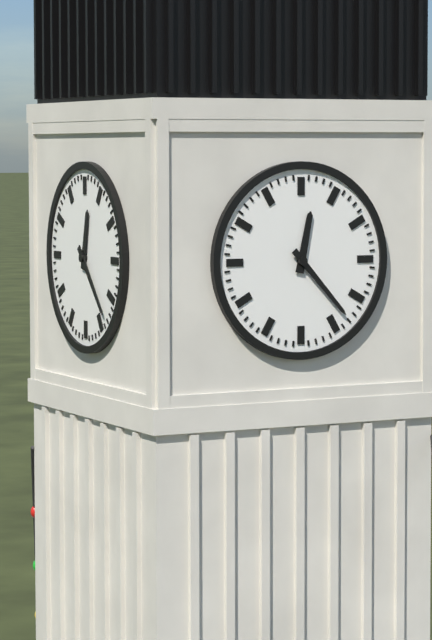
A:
12.23
